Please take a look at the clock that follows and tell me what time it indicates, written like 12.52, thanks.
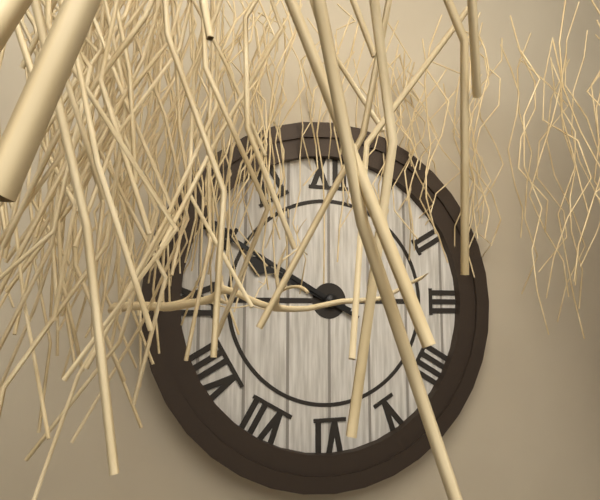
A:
9.50
